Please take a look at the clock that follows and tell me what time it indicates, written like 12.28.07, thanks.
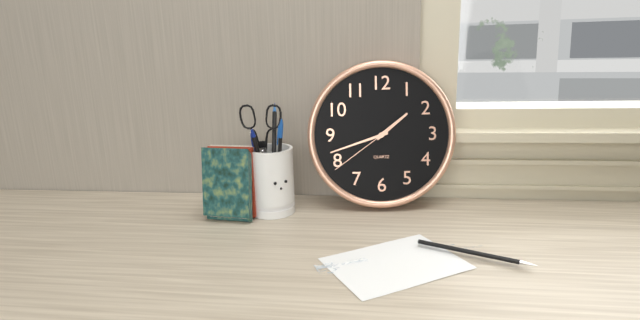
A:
1.42.39
